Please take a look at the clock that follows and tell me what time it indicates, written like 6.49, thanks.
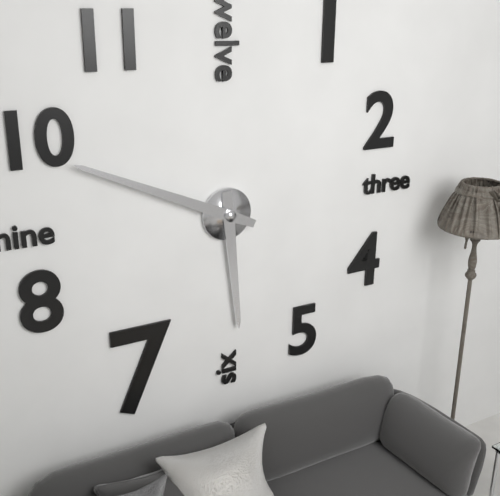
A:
5.49
